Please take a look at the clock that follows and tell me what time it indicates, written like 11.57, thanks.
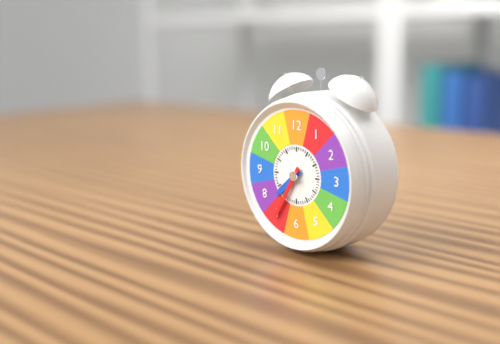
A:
7.35
